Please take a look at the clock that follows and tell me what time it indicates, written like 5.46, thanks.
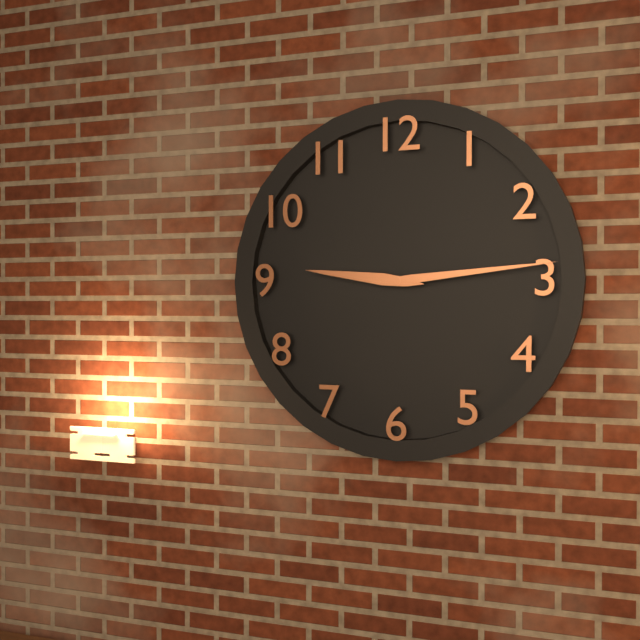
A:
9.14
